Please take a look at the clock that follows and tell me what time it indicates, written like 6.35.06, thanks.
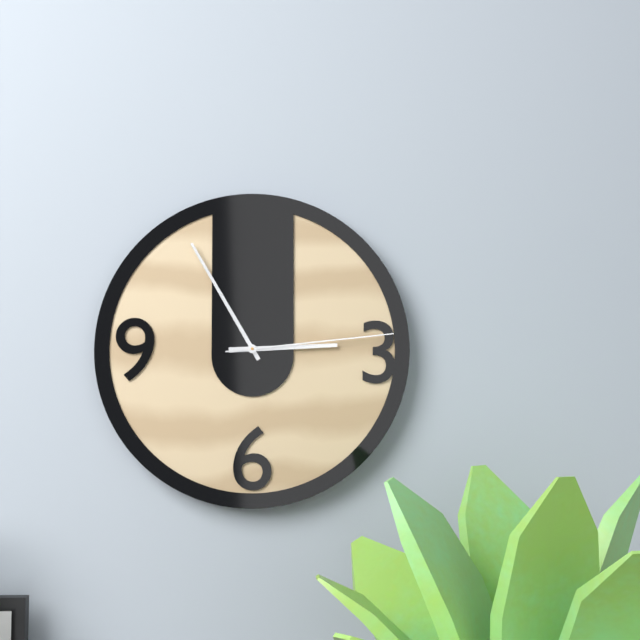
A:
2.55.14
